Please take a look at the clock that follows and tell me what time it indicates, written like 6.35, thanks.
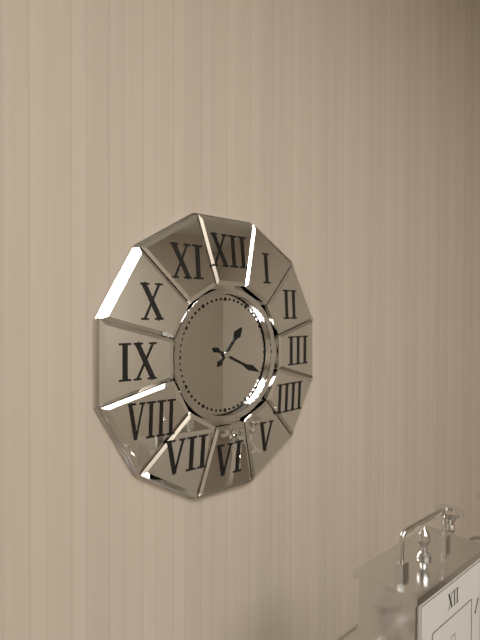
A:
1.19
